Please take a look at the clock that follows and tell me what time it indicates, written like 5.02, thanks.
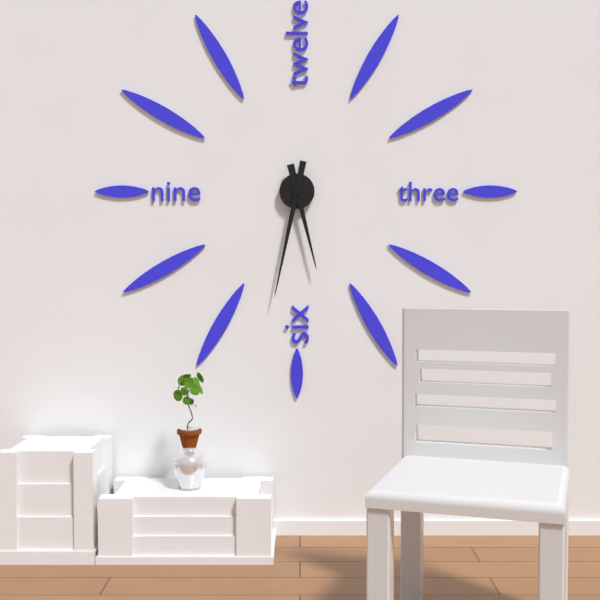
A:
5.32
